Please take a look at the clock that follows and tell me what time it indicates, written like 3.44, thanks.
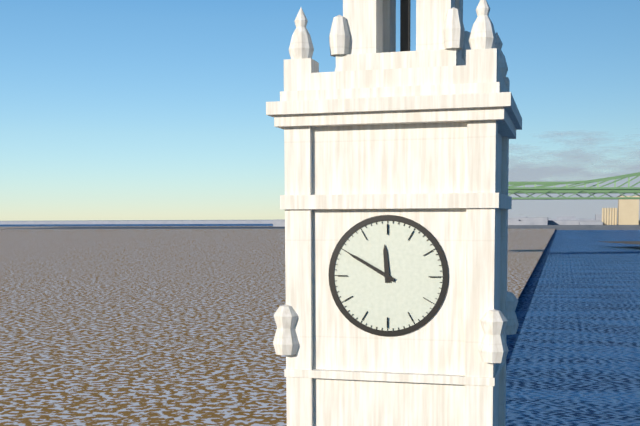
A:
11.50
